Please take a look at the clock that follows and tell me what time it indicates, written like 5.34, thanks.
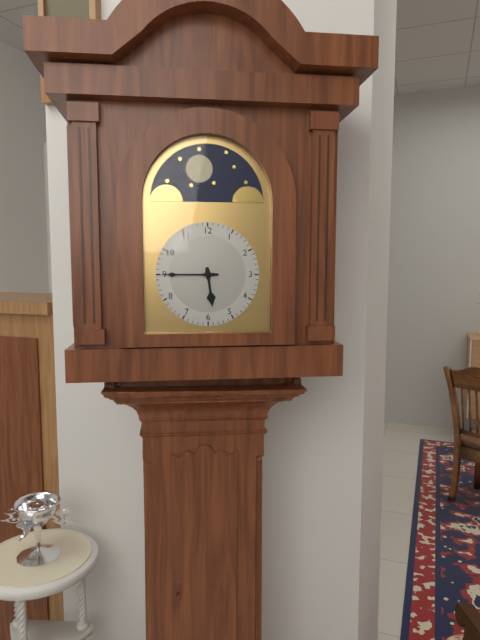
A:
5.45
